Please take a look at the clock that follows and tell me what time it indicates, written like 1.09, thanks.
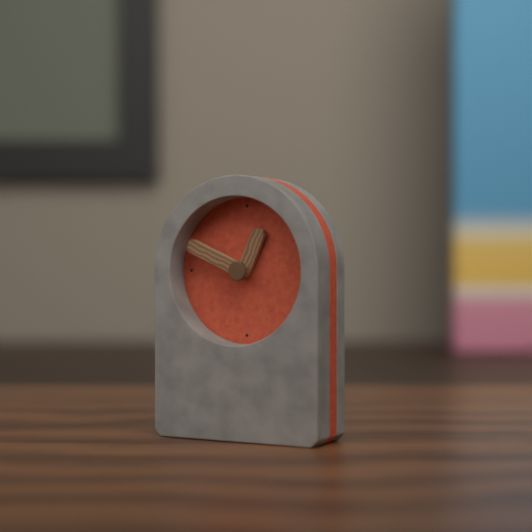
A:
12.49
